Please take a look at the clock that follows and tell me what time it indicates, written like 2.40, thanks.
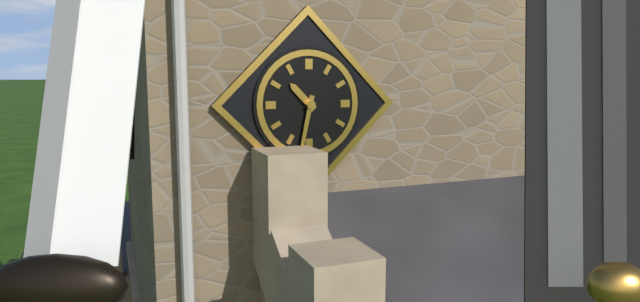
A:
10.32
